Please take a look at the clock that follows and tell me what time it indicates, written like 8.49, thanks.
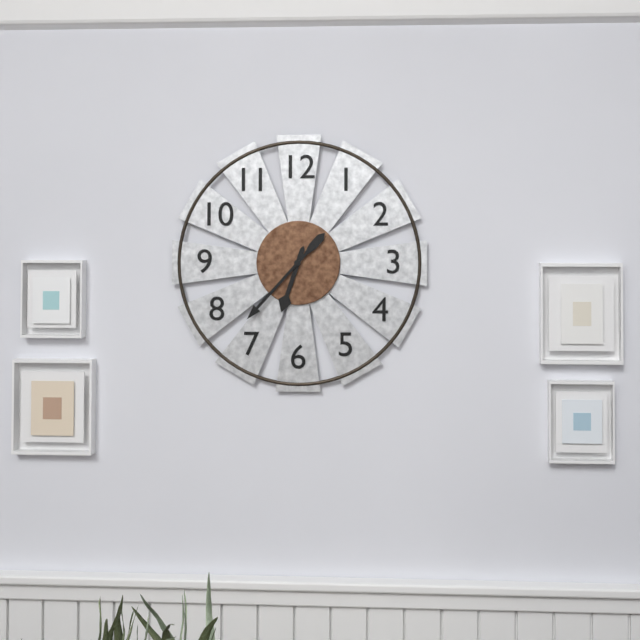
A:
6.37
